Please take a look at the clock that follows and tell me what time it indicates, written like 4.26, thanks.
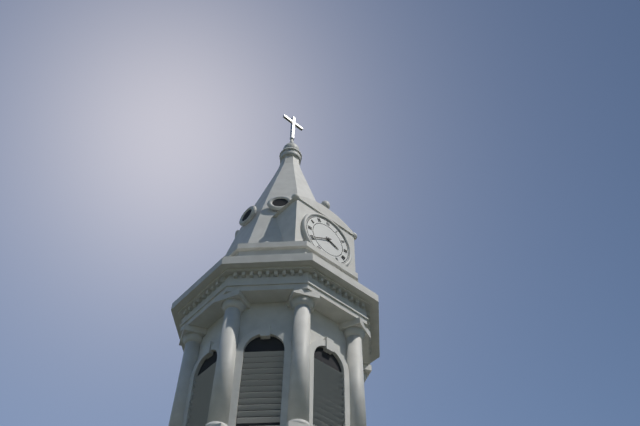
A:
3.40
